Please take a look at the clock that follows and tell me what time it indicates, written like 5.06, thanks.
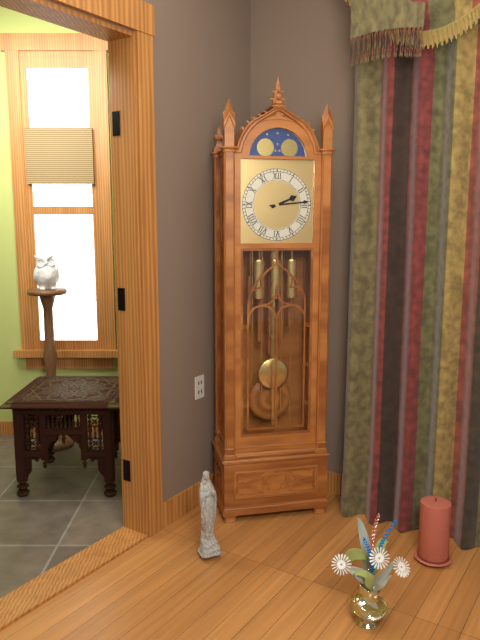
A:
2.14
